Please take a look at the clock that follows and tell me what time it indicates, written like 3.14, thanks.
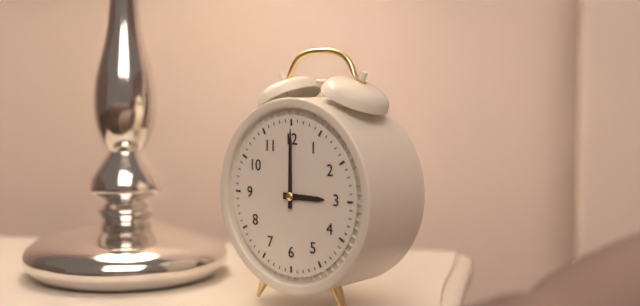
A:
3.00
